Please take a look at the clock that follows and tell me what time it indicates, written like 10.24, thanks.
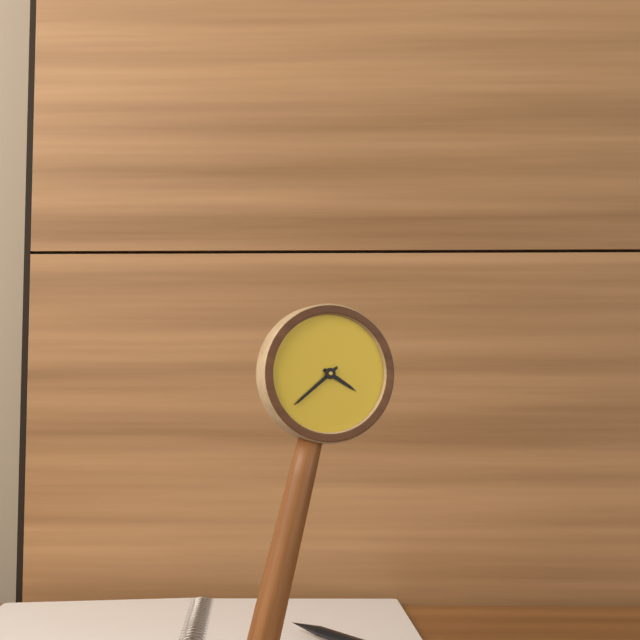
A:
3.36
